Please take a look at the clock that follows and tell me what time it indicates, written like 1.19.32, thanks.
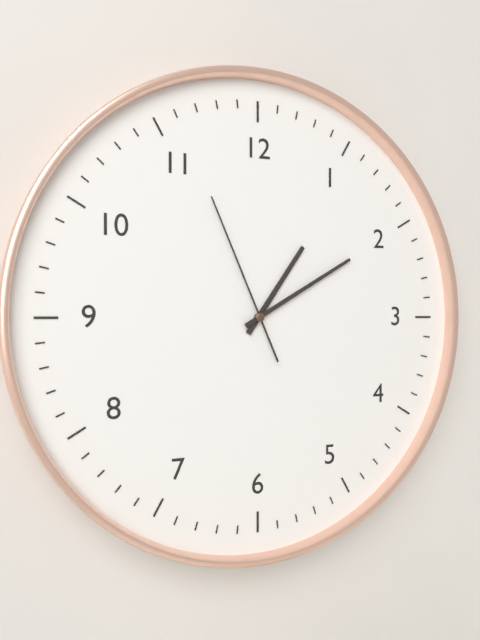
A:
1.10.56
